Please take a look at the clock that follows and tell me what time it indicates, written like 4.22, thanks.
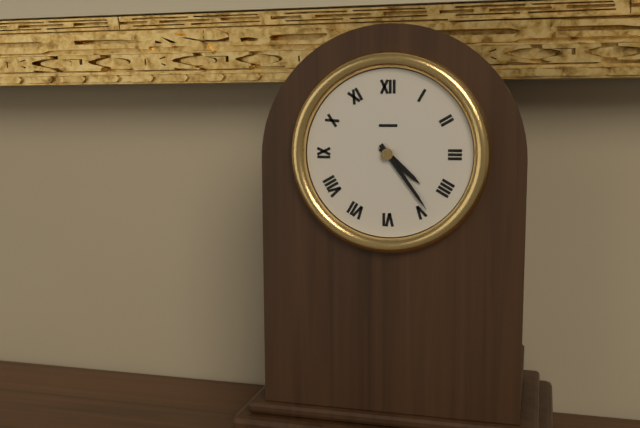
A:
4.24
